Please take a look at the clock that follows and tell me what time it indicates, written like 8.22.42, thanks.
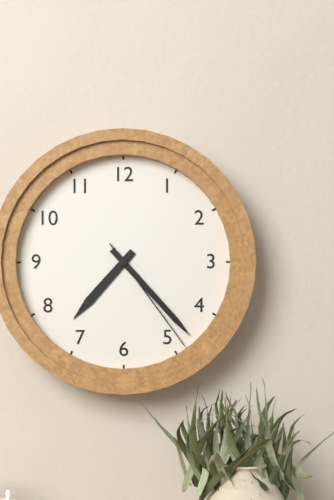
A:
7.23.24
